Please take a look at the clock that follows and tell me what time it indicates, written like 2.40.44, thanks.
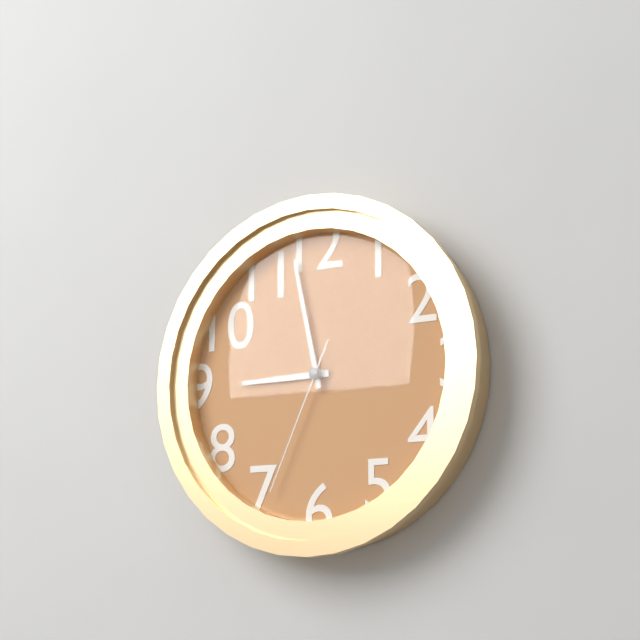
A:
8.58.34
